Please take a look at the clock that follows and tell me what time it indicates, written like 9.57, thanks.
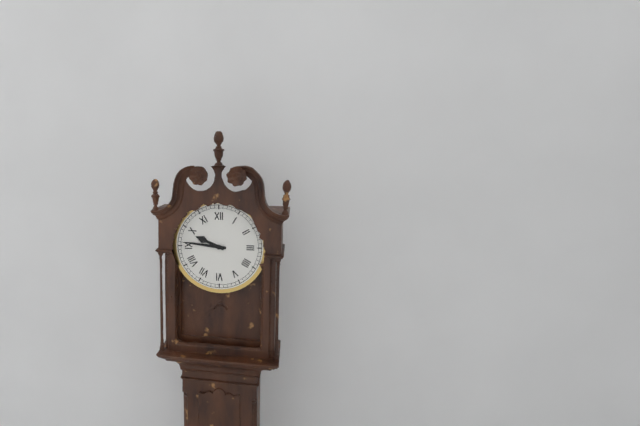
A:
9.46
